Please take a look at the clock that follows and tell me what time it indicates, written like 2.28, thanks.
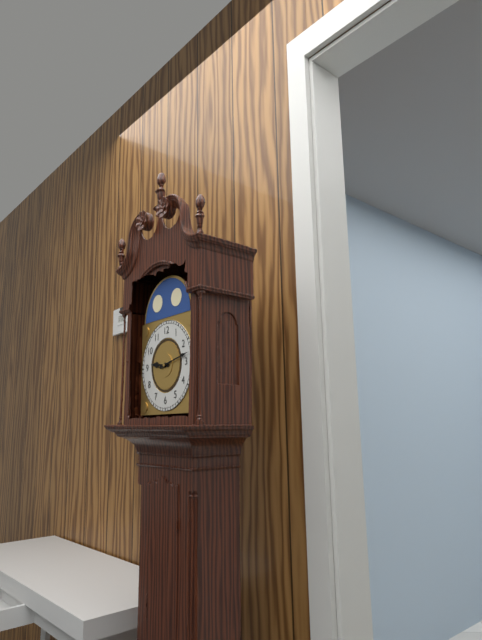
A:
9.13
